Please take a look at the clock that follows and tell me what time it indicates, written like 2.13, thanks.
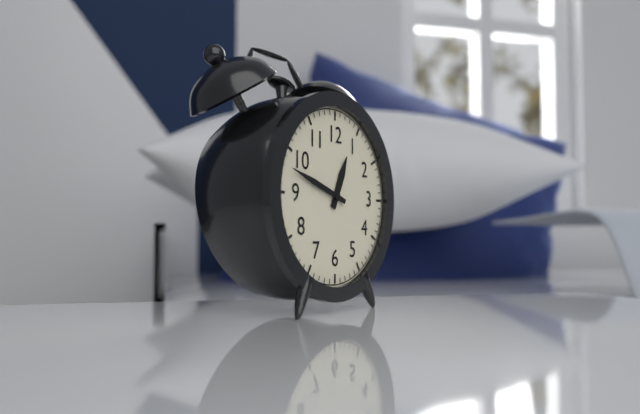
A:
12.48
